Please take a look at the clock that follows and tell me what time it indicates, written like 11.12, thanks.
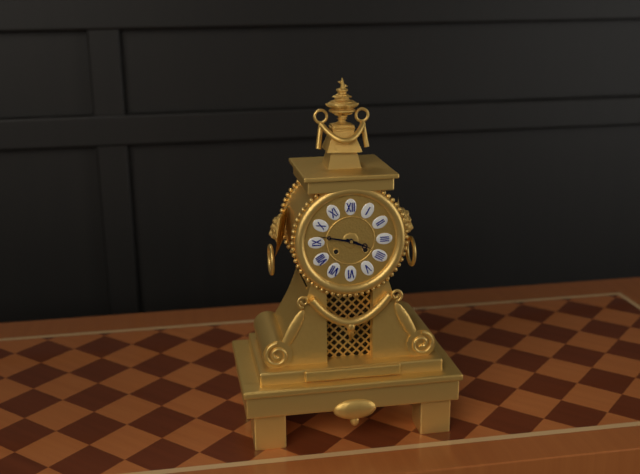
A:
3.47
